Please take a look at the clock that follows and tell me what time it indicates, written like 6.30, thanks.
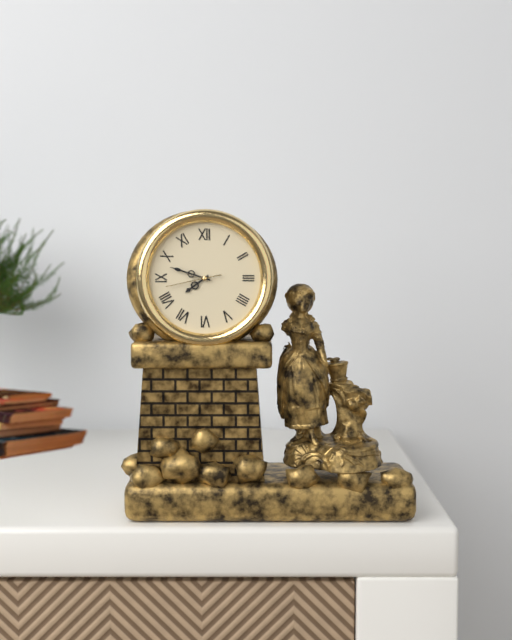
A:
7.48
